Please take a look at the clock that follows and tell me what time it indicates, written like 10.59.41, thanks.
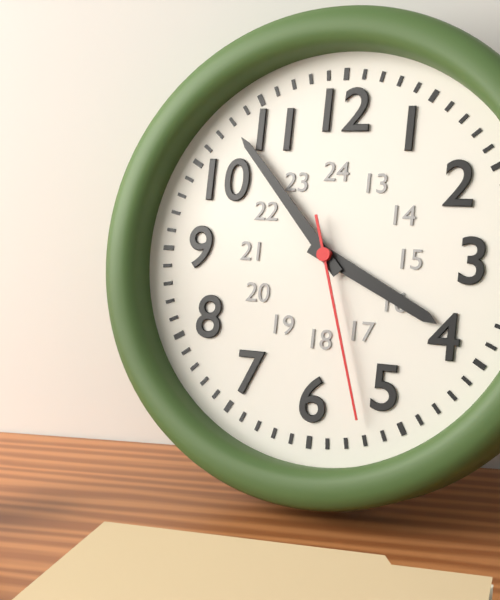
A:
3.53.27
